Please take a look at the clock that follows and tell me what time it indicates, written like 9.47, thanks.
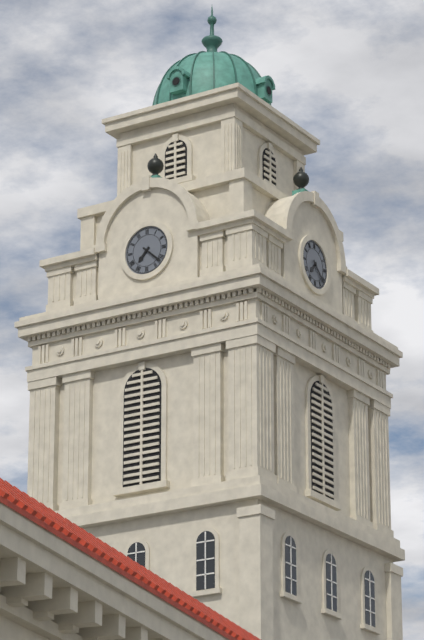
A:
7.22
